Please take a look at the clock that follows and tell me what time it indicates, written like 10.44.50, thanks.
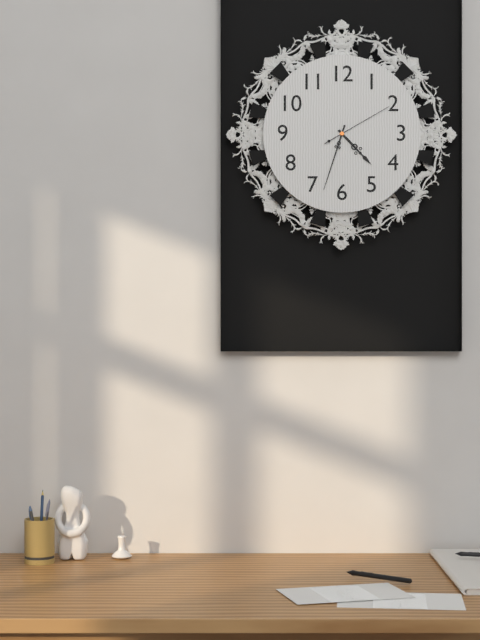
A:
4.33.10
